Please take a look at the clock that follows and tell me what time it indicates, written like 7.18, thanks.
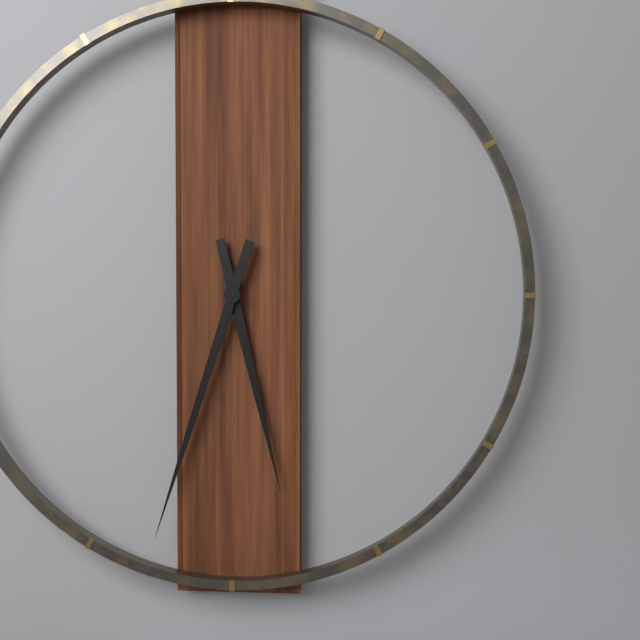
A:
5.33
